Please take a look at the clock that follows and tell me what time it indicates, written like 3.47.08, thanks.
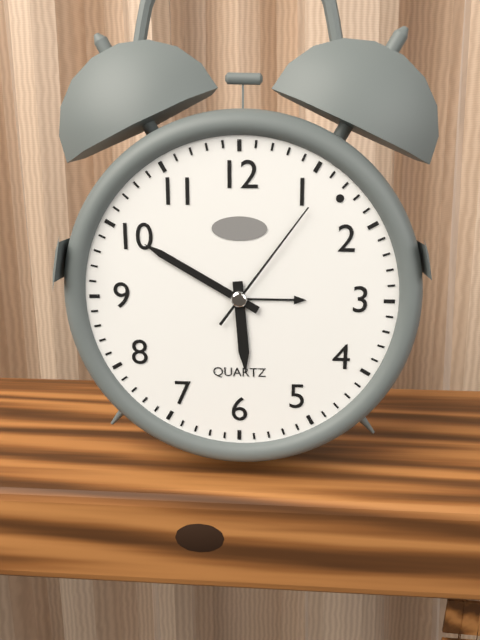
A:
5.50.06
